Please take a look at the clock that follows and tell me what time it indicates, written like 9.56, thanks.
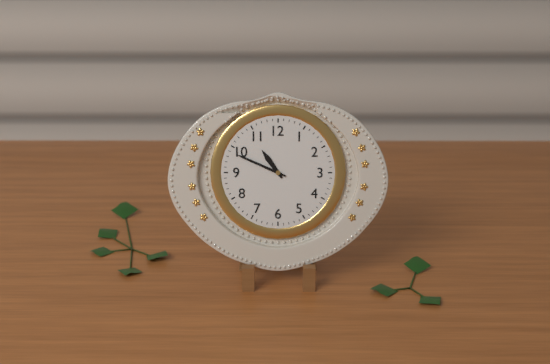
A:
10.49
